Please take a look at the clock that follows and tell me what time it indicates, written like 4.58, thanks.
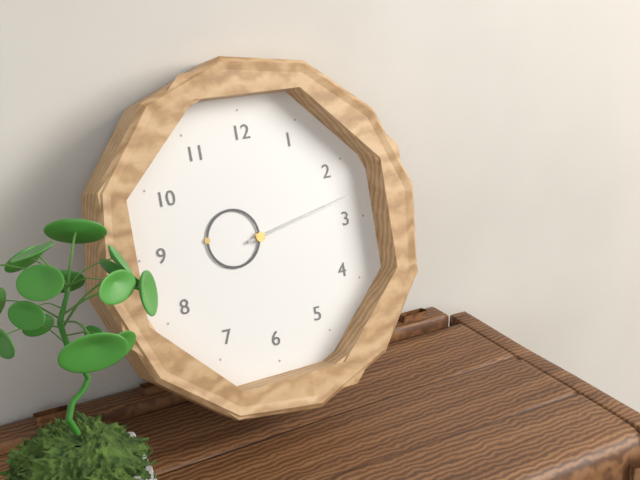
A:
9.13
